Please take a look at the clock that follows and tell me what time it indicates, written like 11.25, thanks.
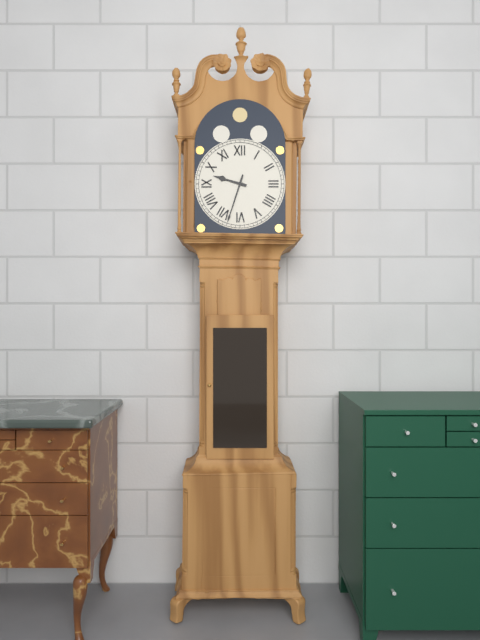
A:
9.33
